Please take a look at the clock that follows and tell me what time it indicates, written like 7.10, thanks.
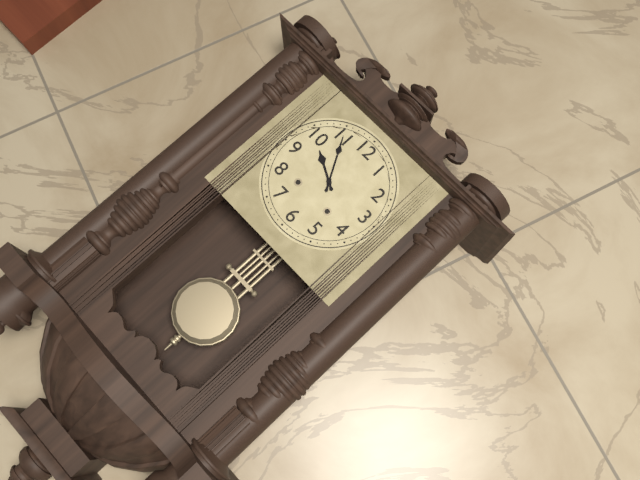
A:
9.55
